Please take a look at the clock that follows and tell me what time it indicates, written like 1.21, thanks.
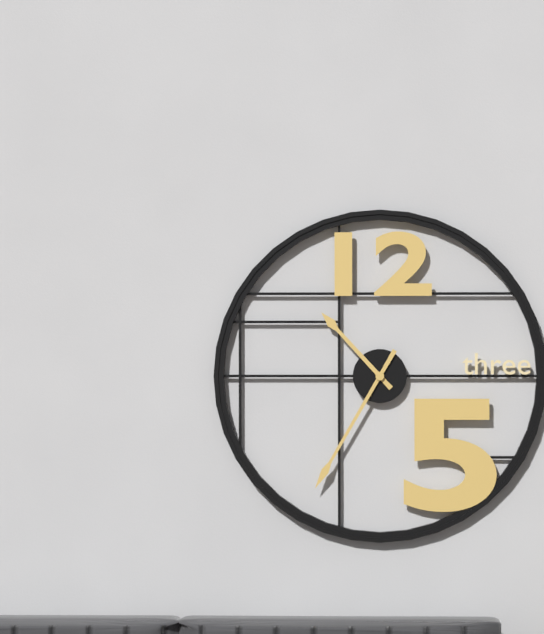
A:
10.35
